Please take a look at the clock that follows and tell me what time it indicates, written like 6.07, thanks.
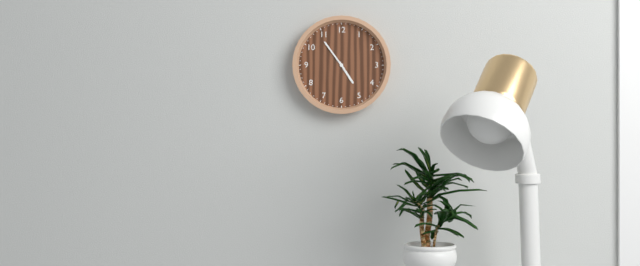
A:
4.54
